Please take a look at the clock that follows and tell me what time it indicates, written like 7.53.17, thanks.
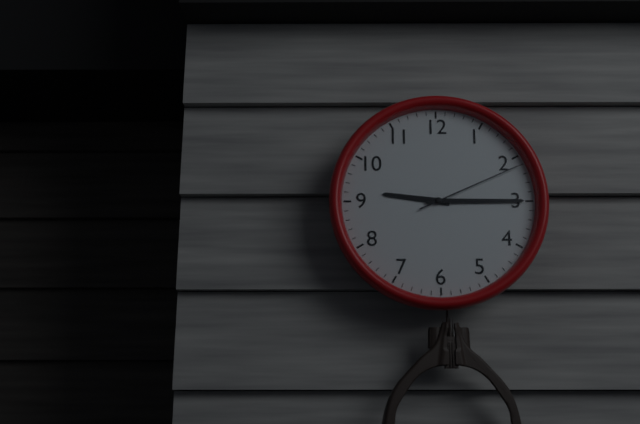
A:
9.15.11
